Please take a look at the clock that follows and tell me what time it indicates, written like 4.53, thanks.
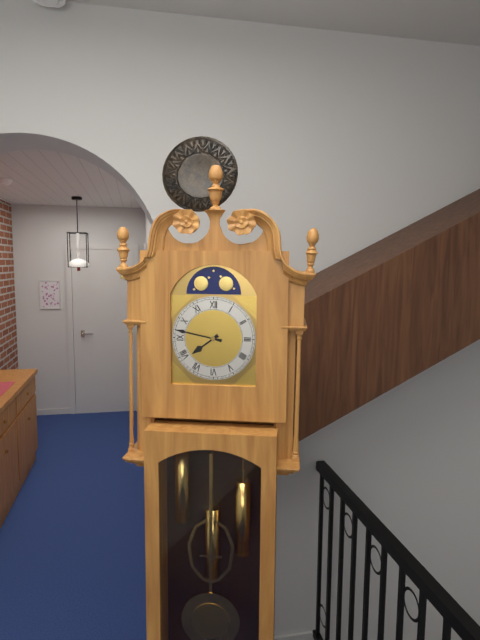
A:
7.47
